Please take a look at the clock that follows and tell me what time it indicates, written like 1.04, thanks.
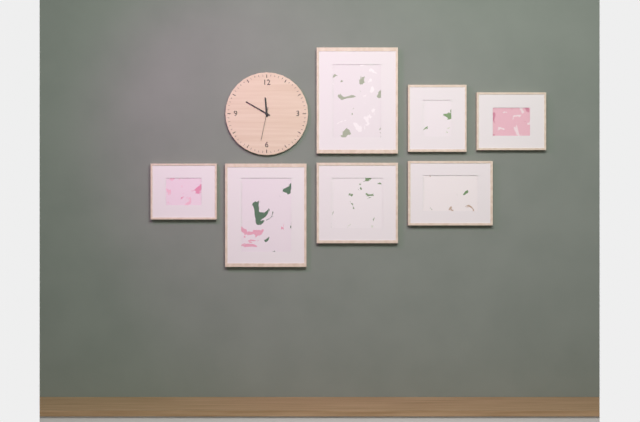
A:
11.50
